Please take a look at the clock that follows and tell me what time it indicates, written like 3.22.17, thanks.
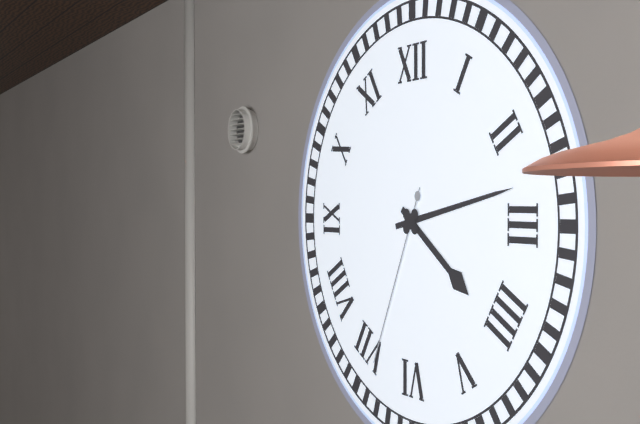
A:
4.13.34
